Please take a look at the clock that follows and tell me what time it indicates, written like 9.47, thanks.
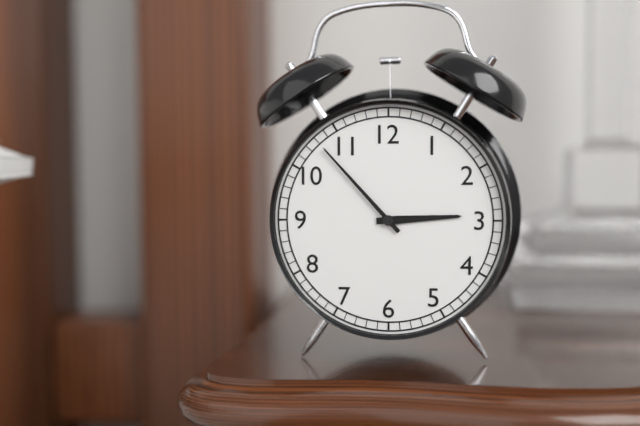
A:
2.53
